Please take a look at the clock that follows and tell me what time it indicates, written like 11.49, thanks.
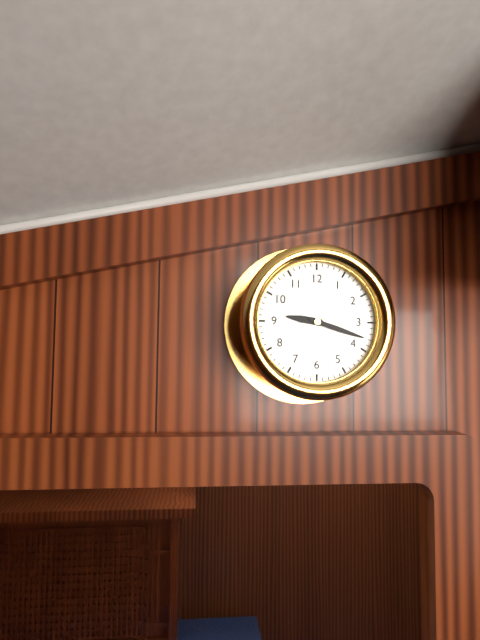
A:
9.18
